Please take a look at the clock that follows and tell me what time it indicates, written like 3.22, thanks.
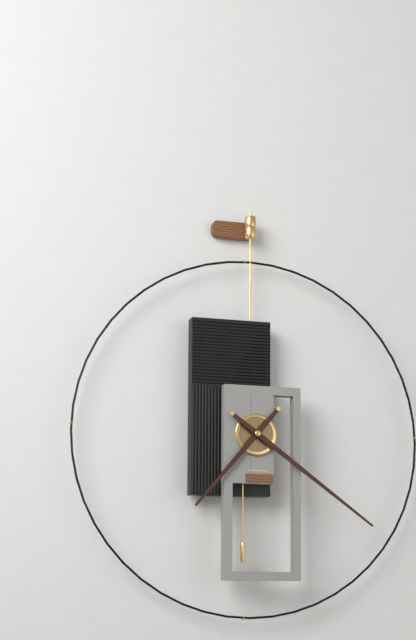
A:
7.21
